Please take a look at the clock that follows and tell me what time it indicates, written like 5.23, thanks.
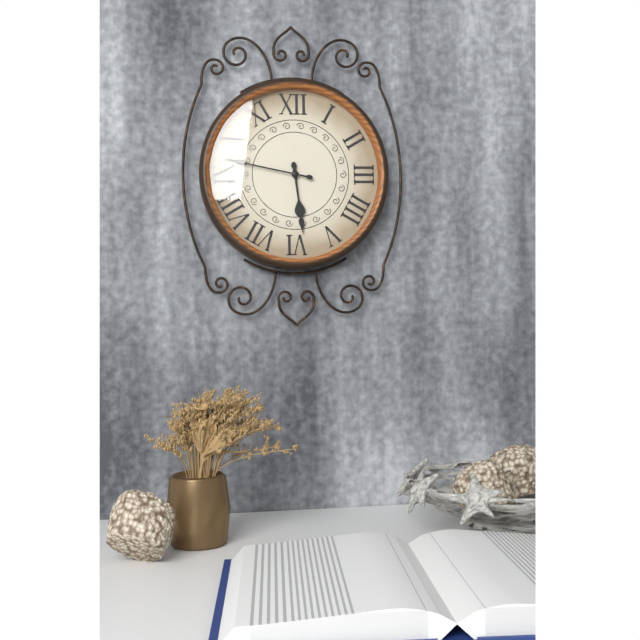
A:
5.47
